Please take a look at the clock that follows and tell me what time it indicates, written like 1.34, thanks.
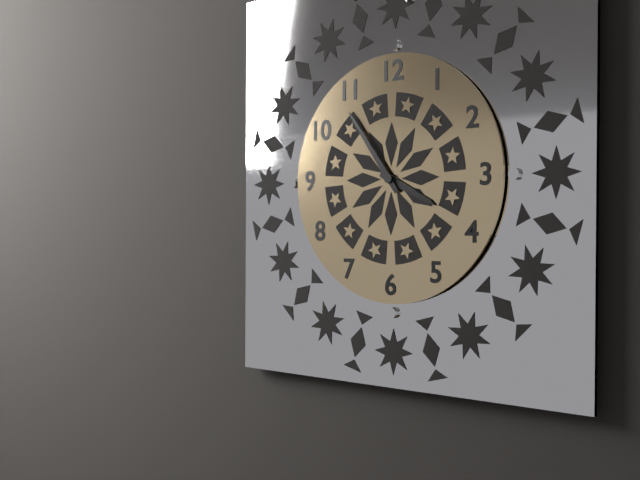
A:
3.54
